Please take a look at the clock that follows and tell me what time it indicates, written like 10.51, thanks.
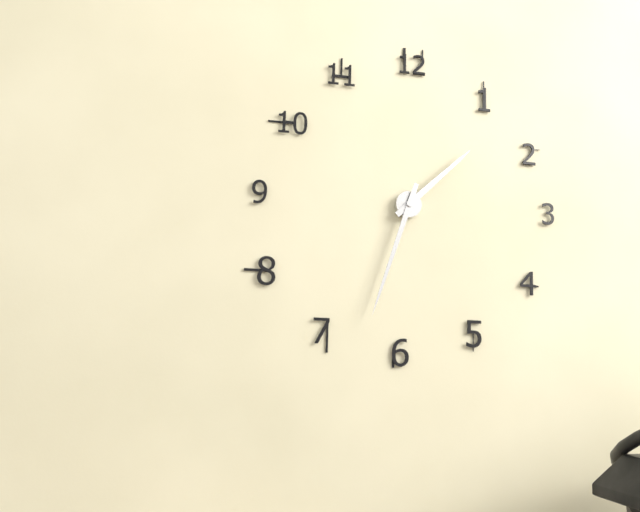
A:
1.33
